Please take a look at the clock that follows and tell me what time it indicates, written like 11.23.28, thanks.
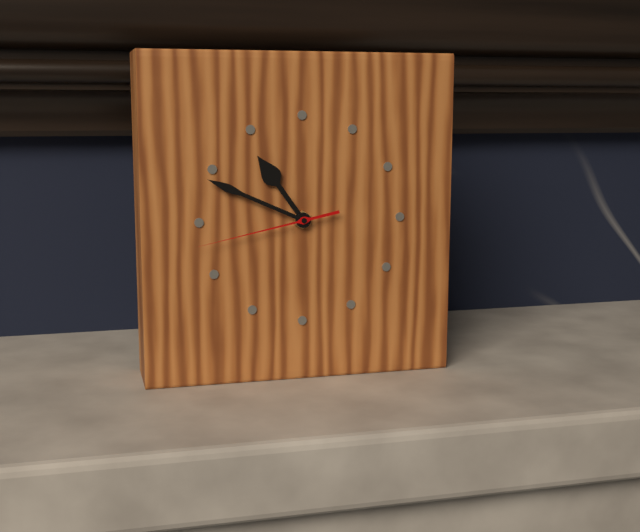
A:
10.49.43
